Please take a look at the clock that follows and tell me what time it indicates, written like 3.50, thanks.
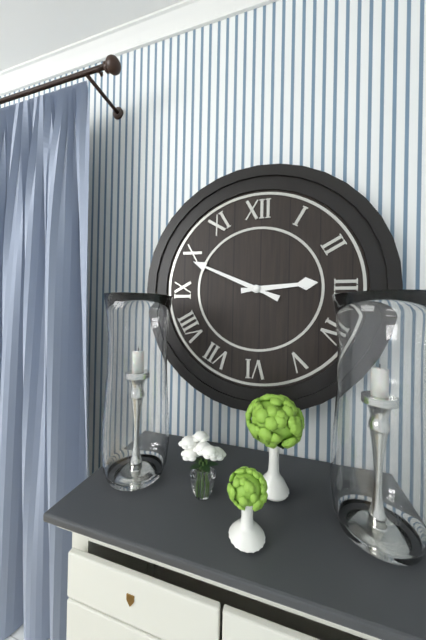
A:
2.49
